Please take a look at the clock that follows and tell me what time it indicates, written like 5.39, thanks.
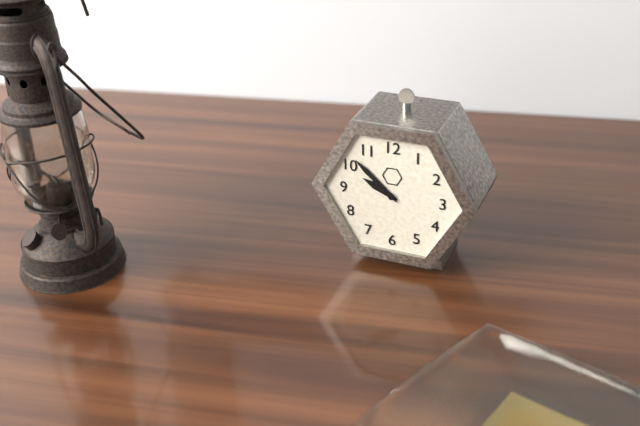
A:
9.52
